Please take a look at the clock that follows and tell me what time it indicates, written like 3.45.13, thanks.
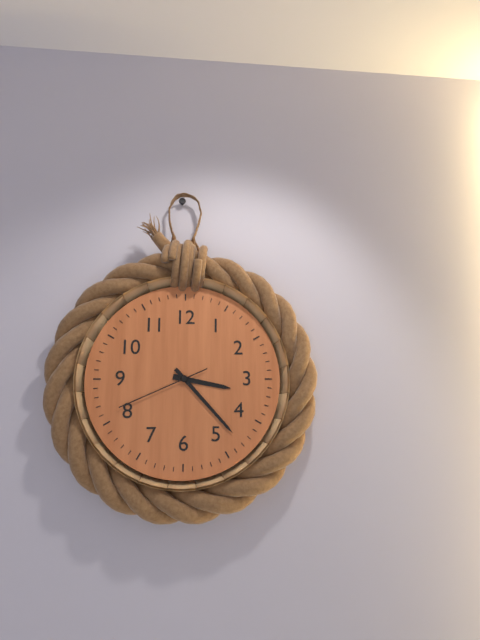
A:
3.23.41
